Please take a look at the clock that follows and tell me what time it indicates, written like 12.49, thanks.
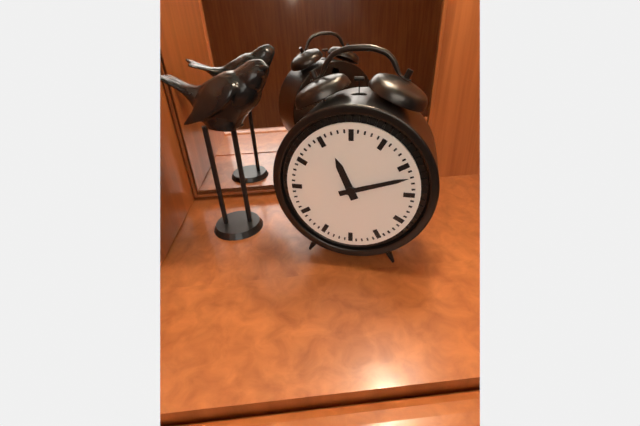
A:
11.12
